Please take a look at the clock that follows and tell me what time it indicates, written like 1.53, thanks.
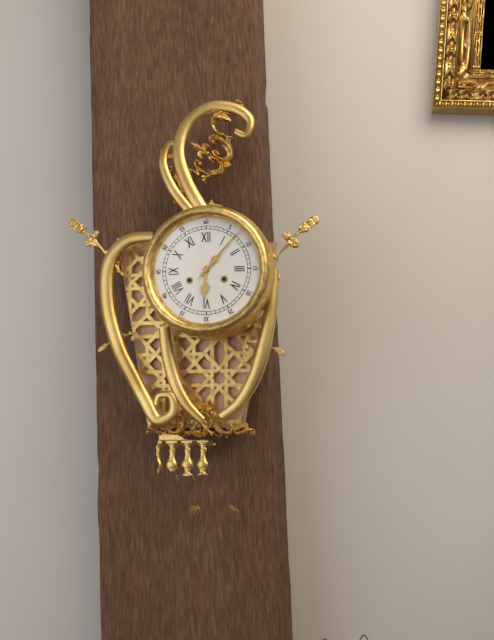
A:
6.07
